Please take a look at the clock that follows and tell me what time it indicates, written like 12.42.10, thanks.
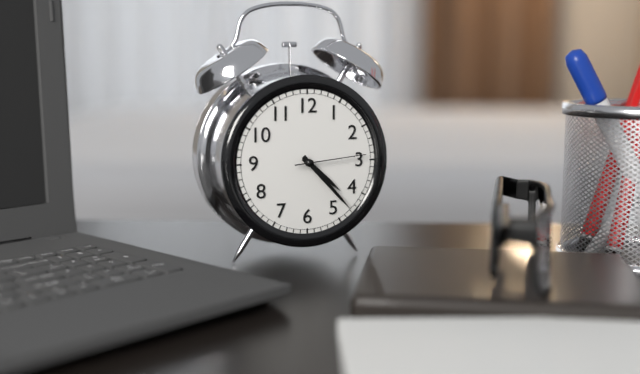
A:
4.23.14
